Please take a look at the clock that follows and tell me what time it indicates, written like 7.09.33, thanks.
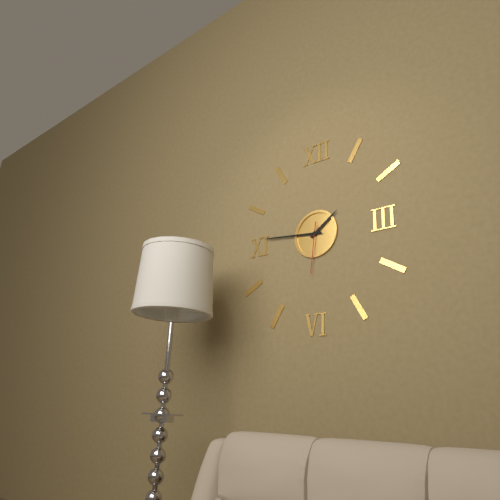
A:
1.46.31
